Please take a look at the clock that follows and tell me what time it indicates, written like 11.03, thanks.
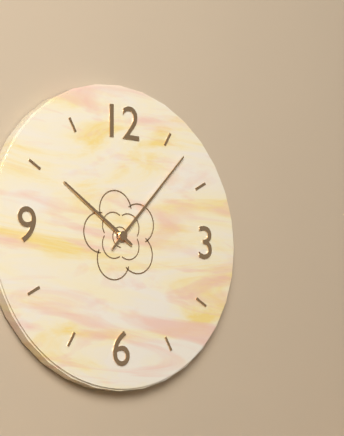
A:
10.07
